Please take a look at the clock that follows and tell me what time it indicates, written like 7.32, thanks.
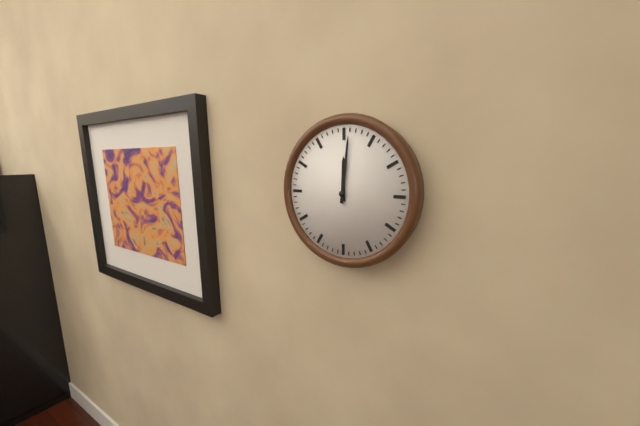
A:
12.01
